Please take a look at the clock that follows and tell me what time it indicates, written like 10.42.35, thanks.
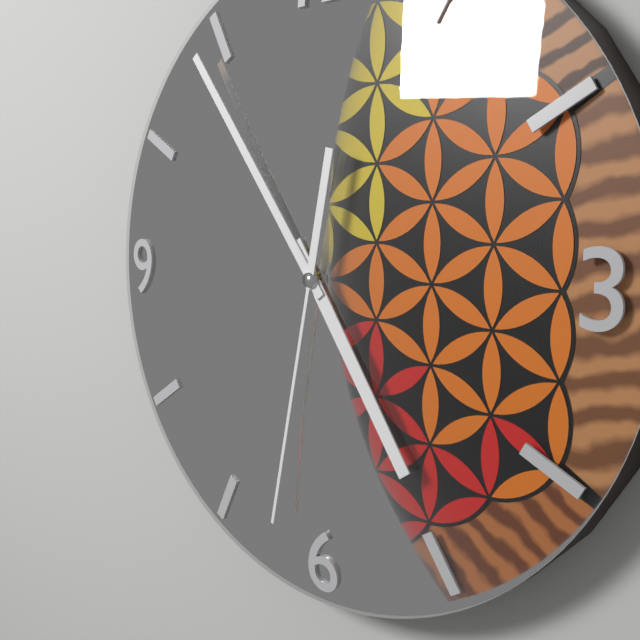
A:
4.54.32
